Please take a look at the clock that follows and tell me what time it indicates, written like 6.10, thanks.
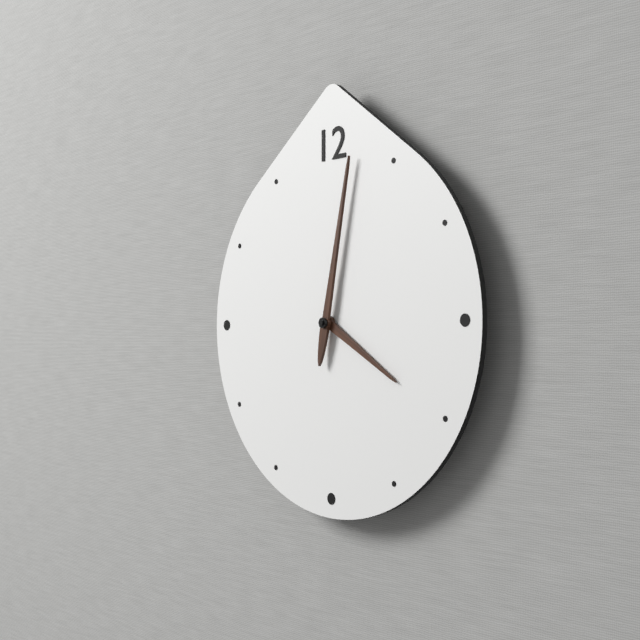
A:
4.02
